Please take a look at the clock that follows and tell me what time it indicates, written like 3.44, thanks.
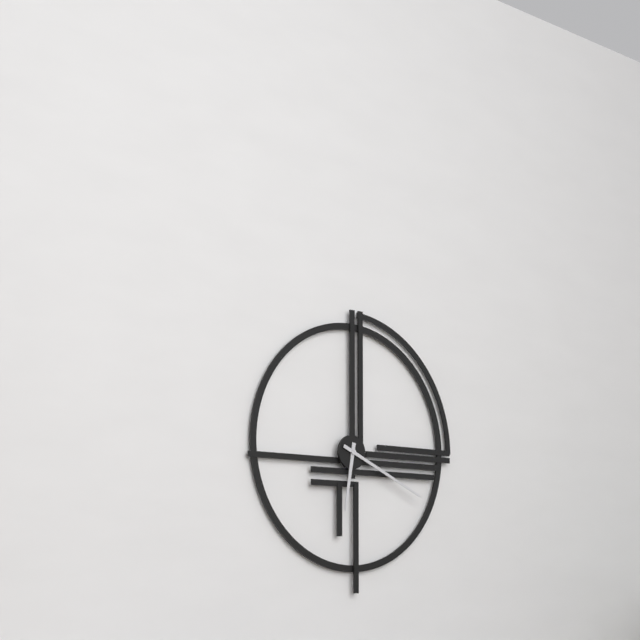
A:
6.19
